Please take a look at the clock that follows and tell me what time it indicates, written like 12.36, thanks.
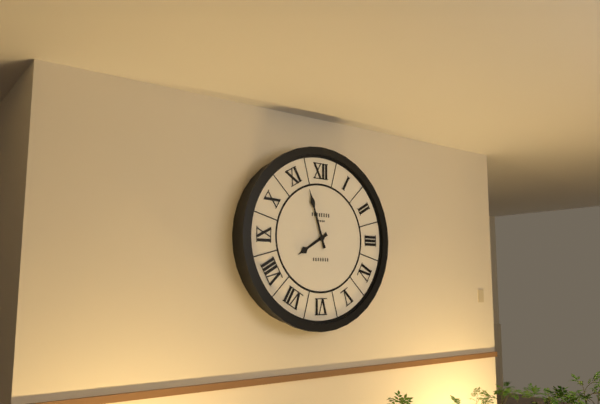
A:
7.57
